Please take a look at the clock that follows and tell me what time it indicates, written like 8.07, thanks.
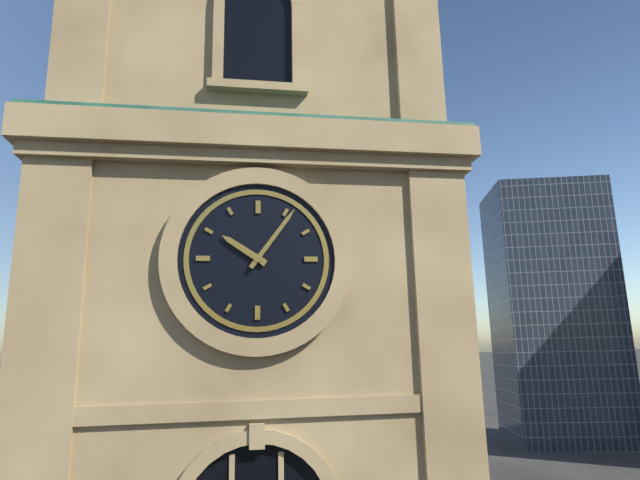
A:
10.06
